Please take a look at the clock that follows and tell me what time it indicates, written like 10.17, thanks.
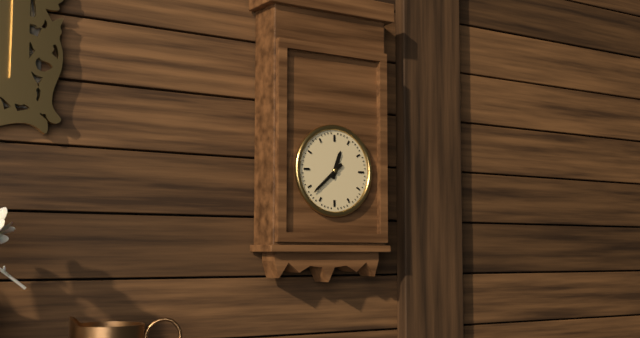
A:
12.38
